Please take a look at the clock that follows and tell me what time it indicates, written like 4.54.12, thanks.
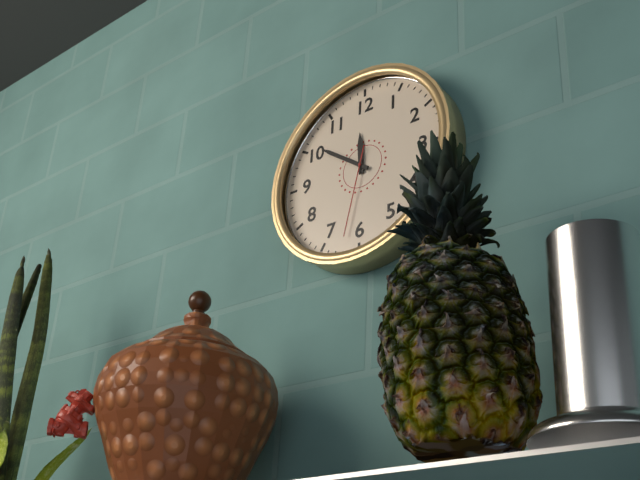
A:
11.51.32
